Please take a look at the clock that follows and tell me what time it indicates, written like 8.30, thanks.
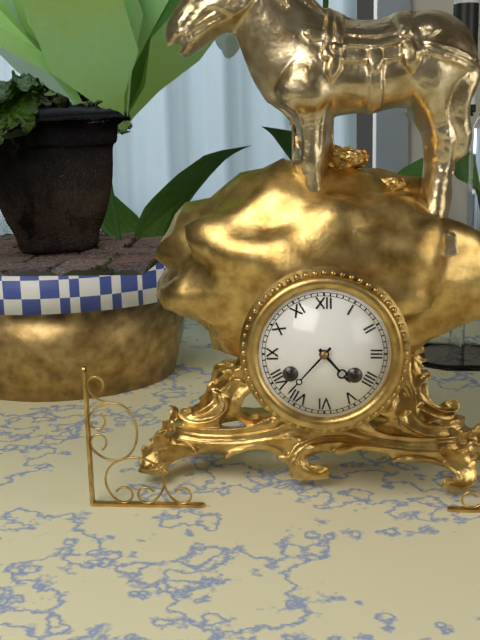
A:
4.37
